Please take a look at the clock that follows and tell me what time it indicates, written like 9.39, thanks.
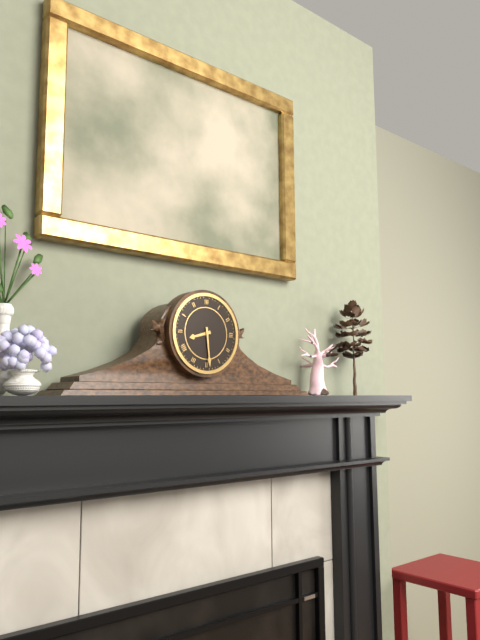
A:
8.29
